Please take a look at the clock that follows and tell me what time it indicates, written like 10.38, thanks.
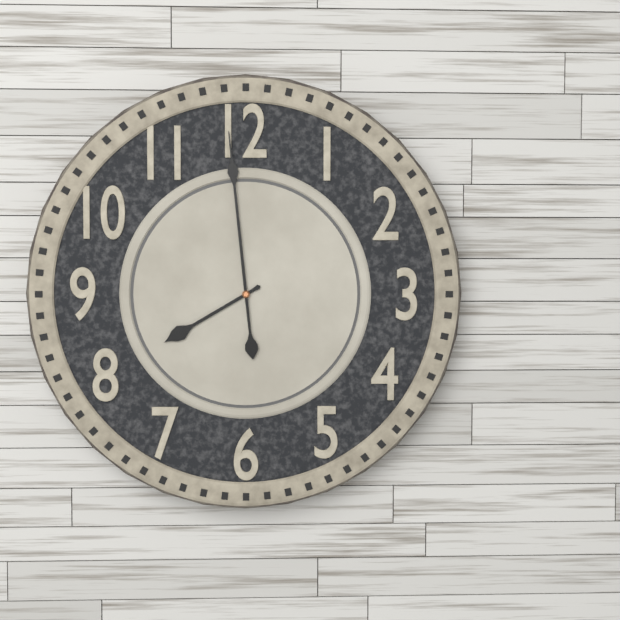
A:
7.59
